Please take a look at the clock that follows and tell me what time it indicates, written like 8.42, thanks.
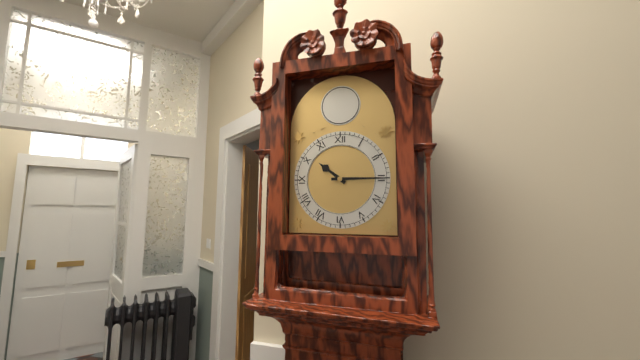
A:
10.15
